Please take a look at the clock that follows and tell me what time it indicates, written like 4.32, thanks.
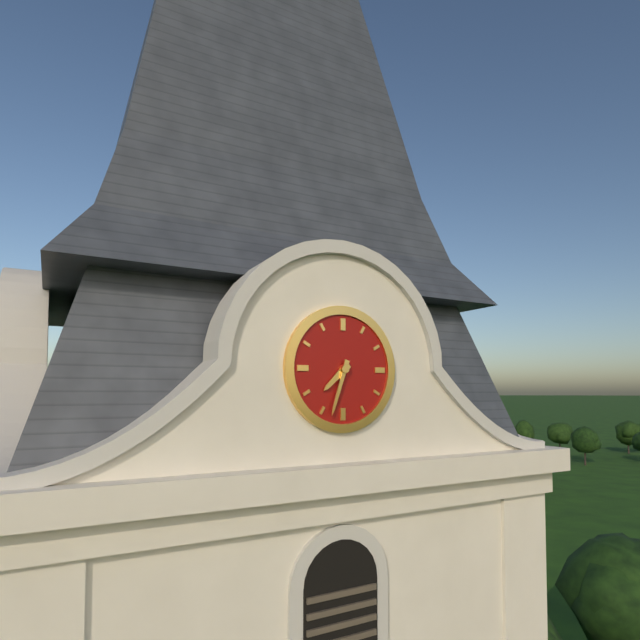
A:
7.33
